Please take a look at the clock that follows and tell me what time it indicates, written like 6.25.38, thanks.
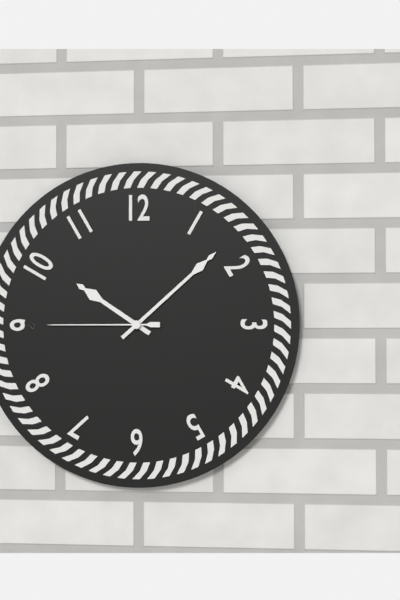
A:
10.08.45
